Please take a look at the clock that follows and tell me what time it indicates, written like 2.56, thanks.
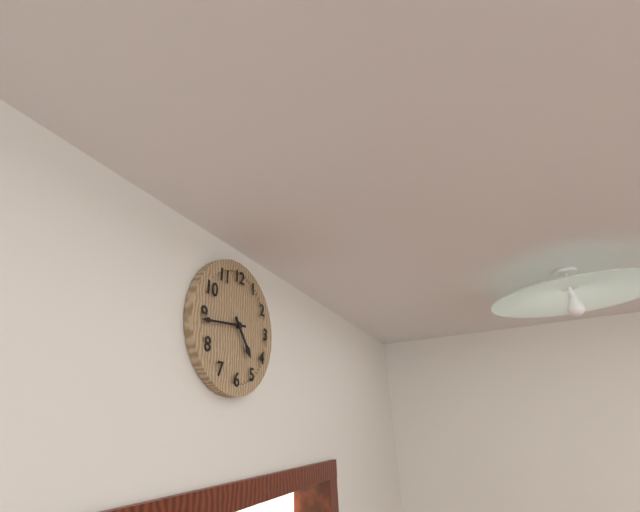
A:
4.44
